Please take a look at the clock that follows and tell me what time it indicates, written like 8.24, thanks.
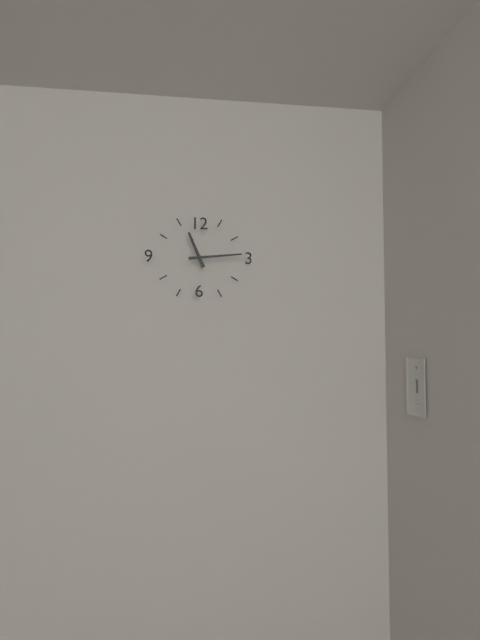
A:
11.14
